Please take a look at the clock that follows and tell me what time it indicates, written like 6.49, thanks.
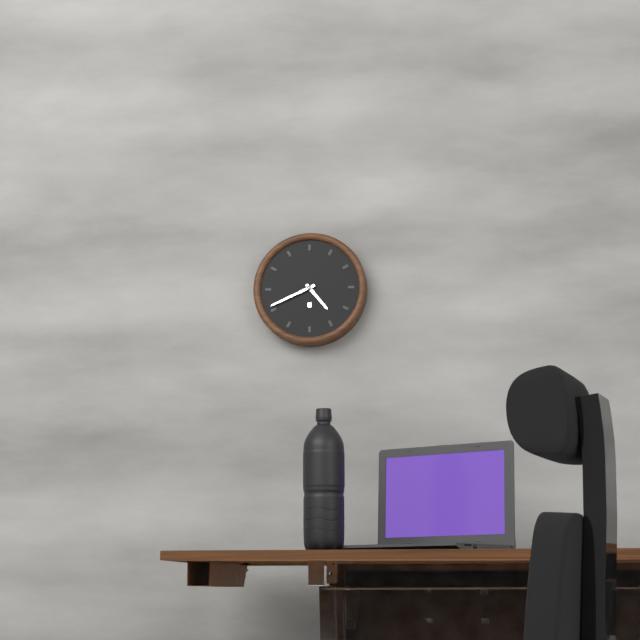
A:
4.41
